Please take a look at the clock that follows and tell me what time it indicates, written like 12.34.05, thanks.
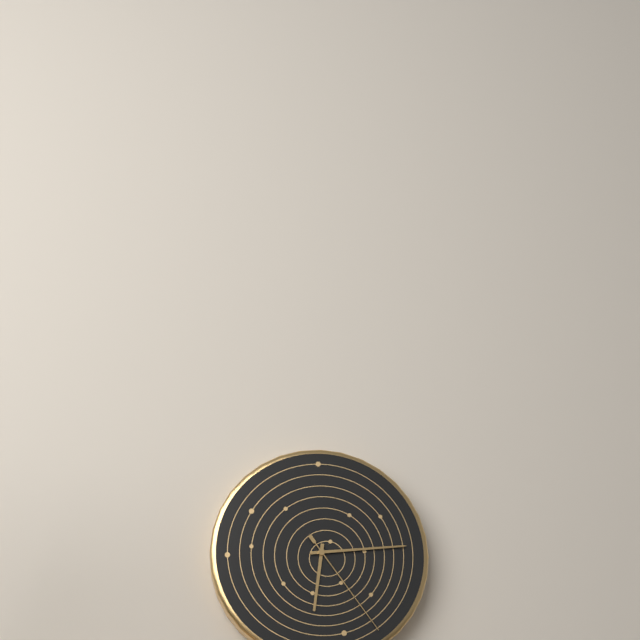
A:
6.14.24
